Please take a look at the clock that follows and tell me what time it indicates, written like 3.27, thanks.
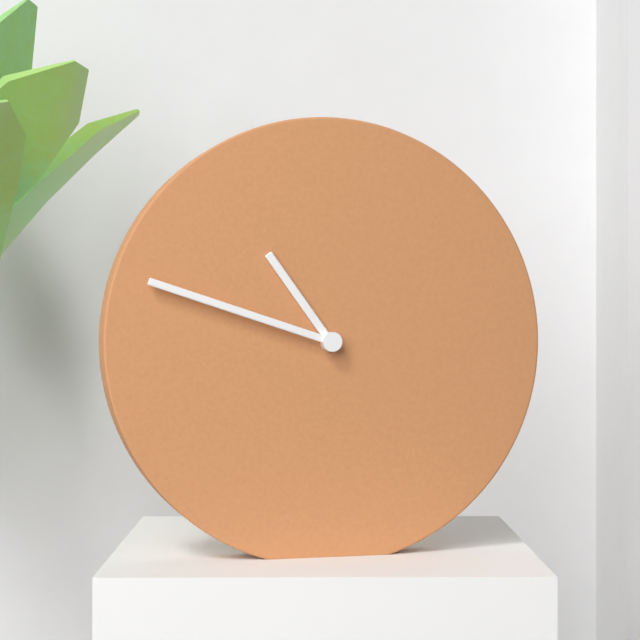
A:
10.48
